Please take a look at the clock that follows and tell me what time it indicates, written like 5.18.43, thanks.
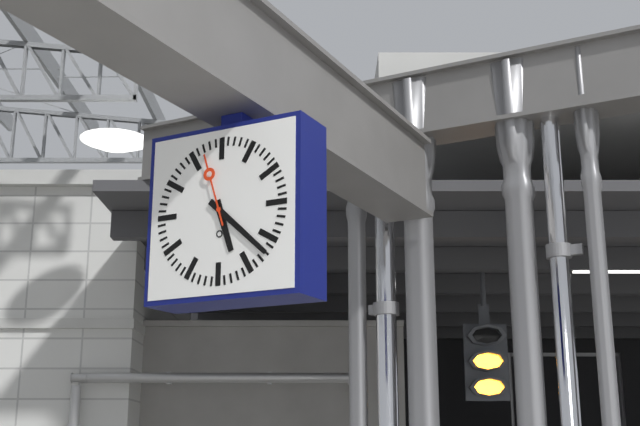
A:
5.22.57
